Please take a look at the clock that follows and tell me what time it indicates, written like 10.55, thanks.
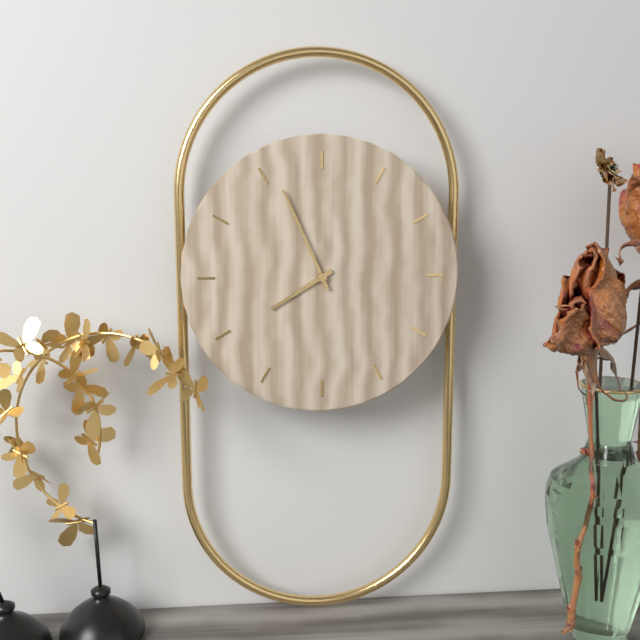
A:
7.56
